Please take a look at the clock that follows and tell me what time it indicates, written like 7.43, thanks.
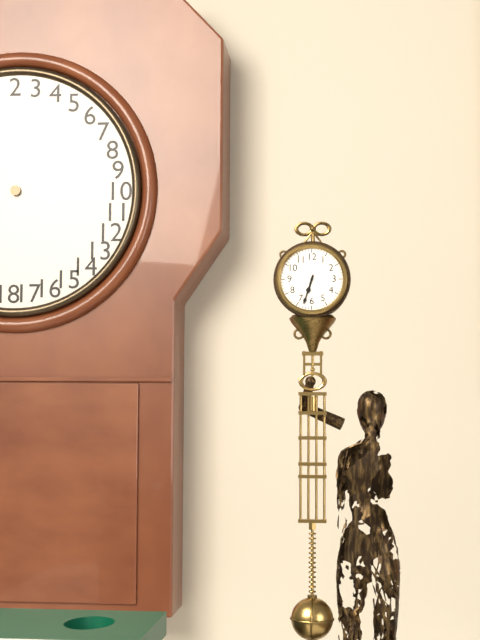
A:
6.33
